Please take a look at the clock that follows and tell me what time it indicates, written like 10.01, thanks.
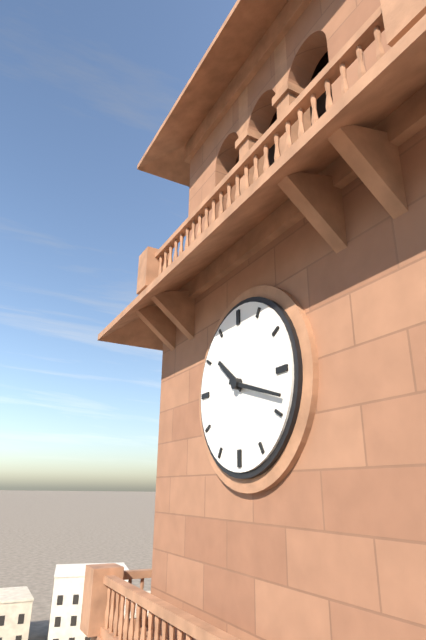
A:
10.18
